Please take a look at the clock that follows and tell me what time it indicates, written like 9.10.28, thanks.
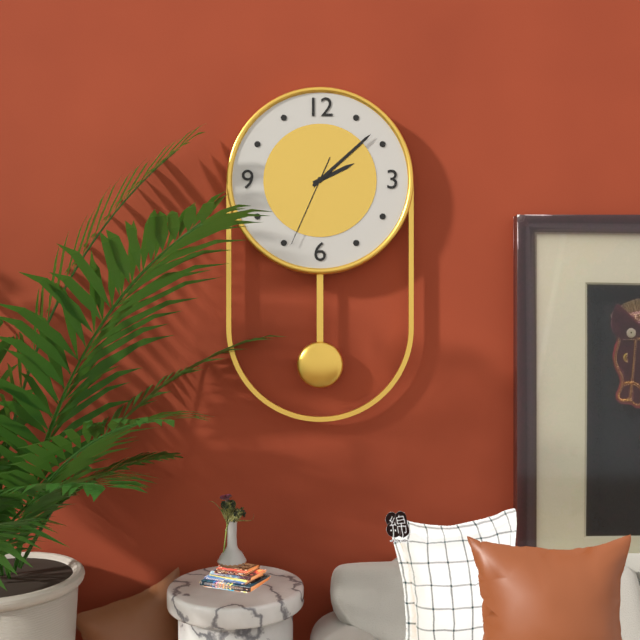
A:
2.08.34
